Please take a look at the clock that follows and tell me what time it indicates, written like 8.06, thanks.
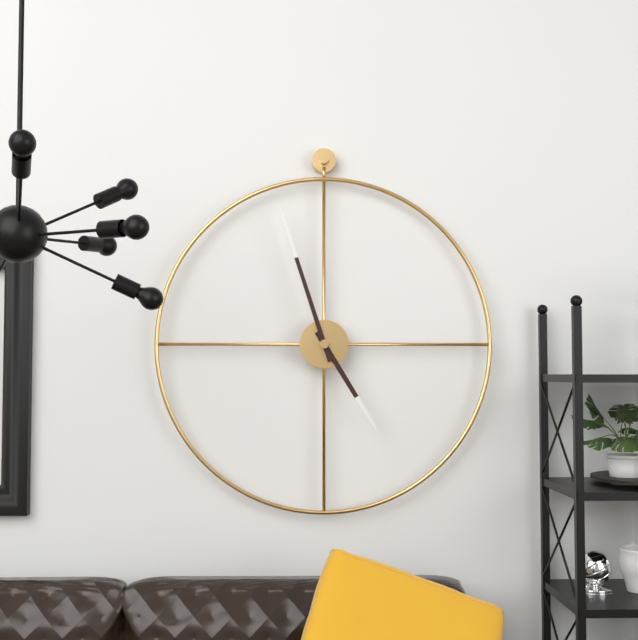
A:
4.57
